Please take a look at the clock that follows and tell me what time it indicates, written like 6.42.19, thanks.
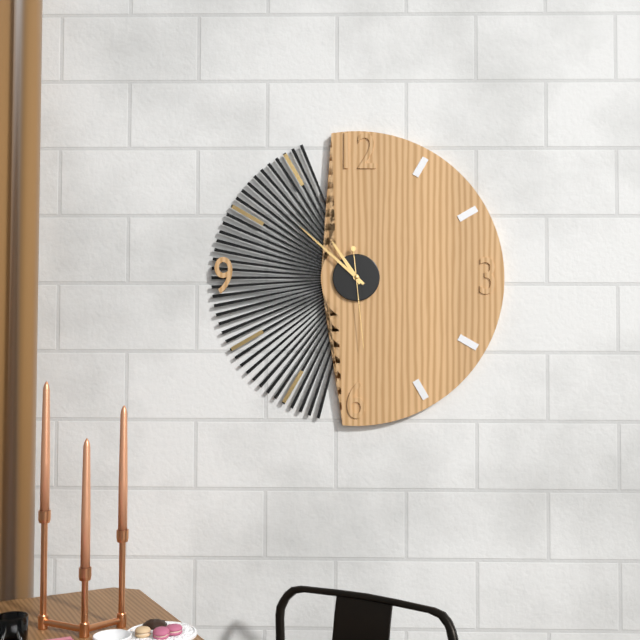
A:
10.52.29
